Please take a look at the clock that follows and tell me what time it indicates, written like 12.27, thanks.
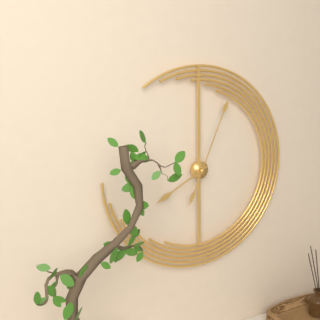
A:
8.04
